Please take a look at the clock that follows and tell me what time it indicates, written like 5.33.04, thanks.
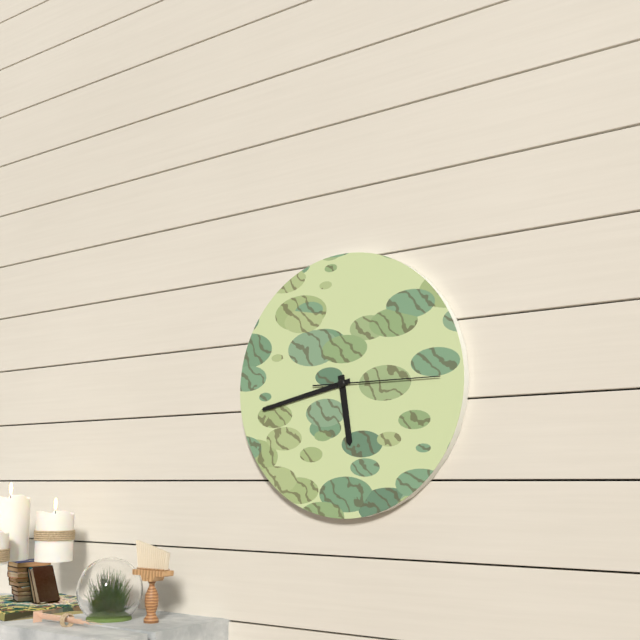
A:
5.43.15
